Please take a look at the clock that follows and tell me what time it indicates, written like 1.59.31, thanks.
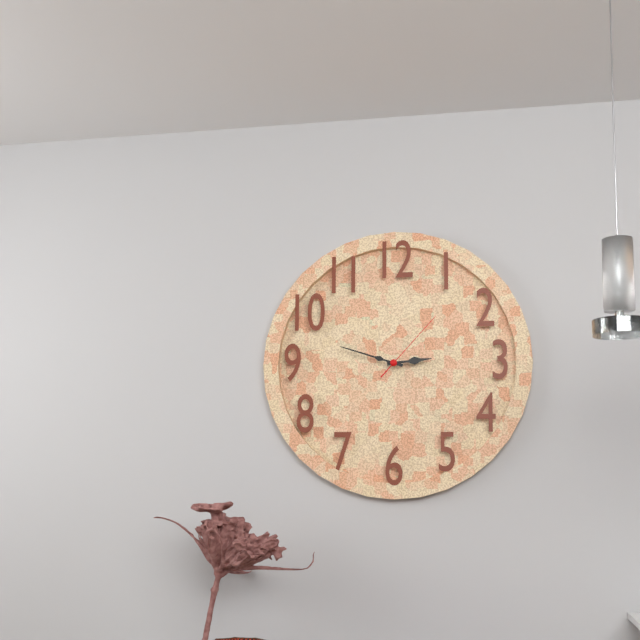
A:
2.48.07
